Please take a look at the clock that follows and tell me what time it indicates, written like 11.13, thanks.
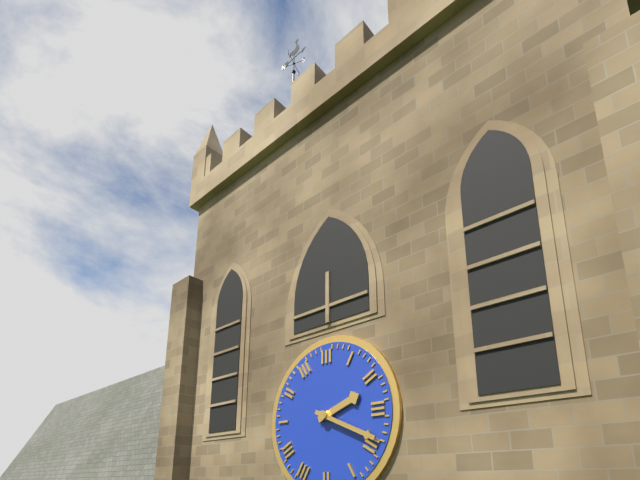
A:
2.19
